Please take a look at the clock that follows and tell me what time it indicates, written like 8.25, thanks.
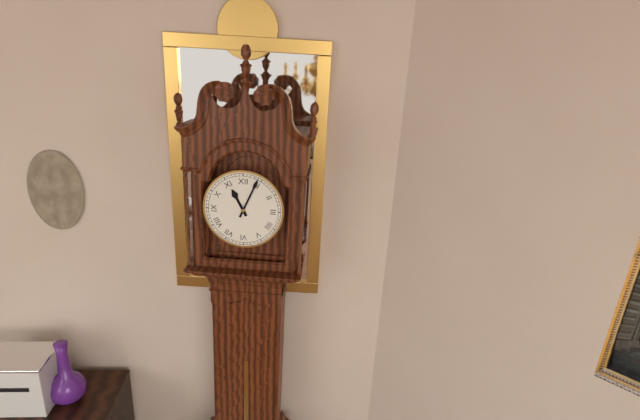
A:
11.04
